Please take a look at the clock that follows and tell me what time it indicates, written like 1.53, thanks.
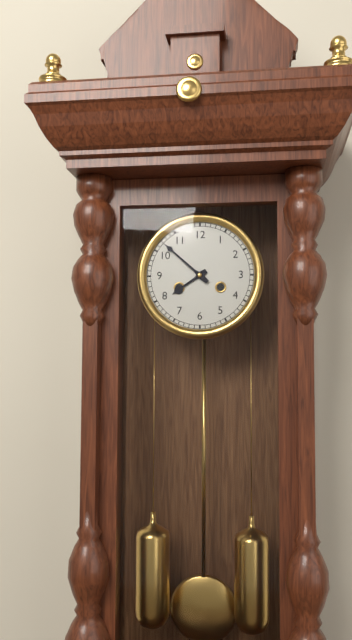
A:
7.52
